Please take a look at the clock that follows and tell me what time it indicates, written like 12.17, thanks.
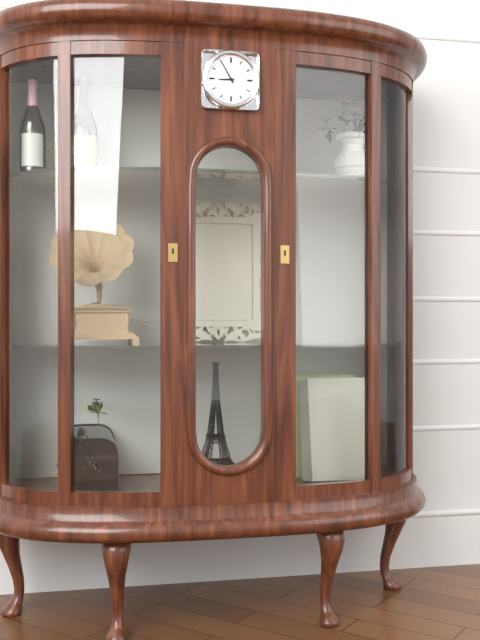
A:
8.55
